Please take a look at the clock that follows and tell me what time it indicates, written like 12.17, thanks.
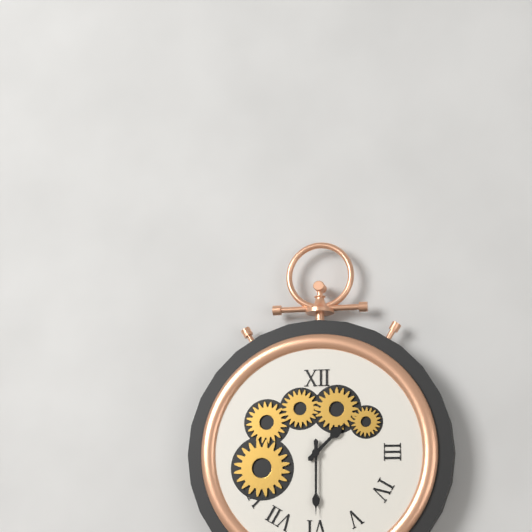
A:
1.30
